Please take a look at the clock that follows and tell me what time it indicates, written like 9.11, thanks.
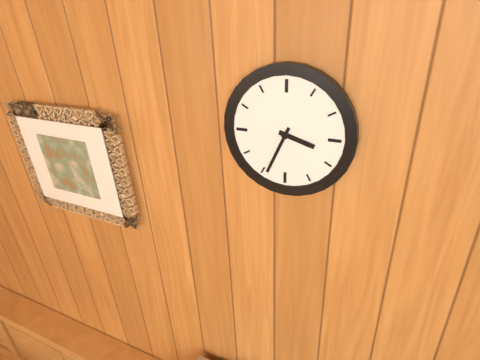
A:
3.34
